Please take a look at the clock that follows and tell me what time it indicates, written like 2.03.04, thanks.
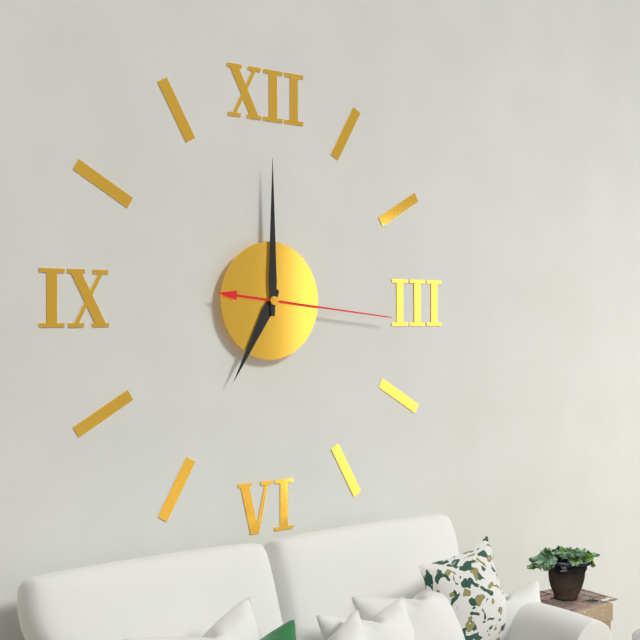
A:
7.00.16
